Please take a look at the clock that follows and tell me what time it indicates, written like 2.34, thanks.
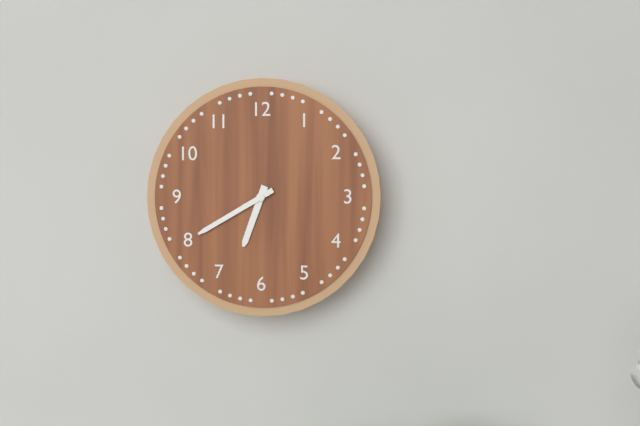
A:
6.40
